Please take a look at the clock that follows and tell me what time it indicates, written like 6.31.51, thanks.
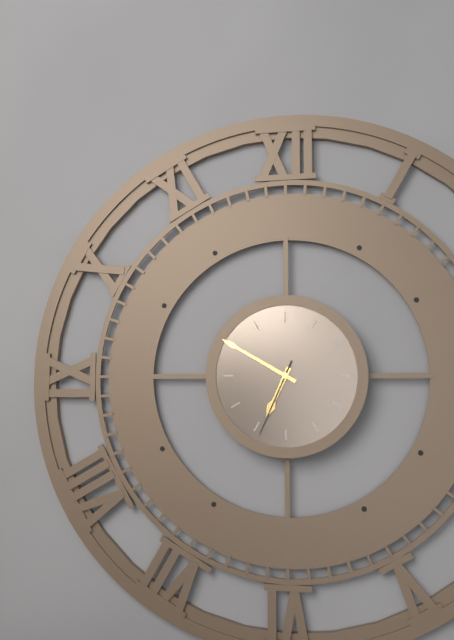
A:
6.50.34
